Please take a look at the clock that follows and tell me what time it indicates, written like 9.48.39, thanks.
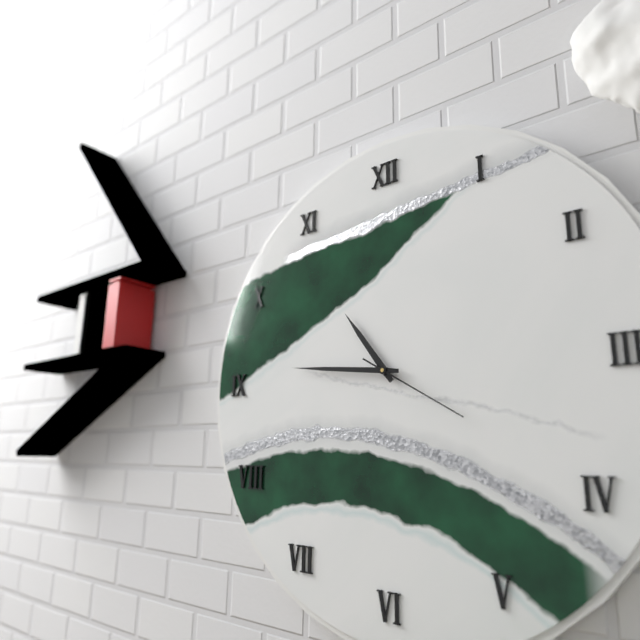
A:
10.46.20
